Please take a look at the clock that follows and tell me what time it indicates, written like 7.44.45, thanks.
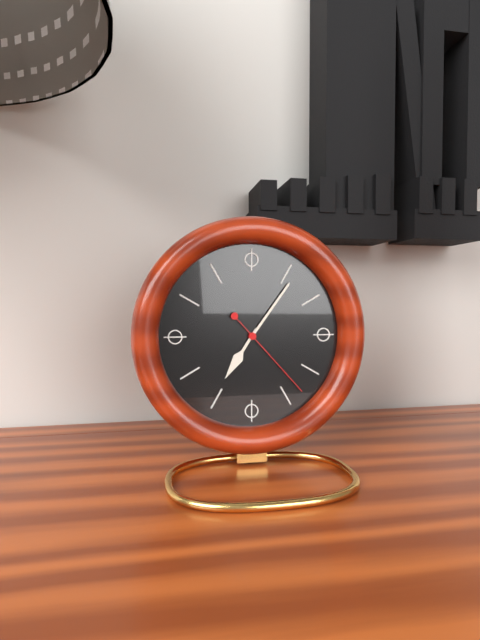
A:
7.06.23
